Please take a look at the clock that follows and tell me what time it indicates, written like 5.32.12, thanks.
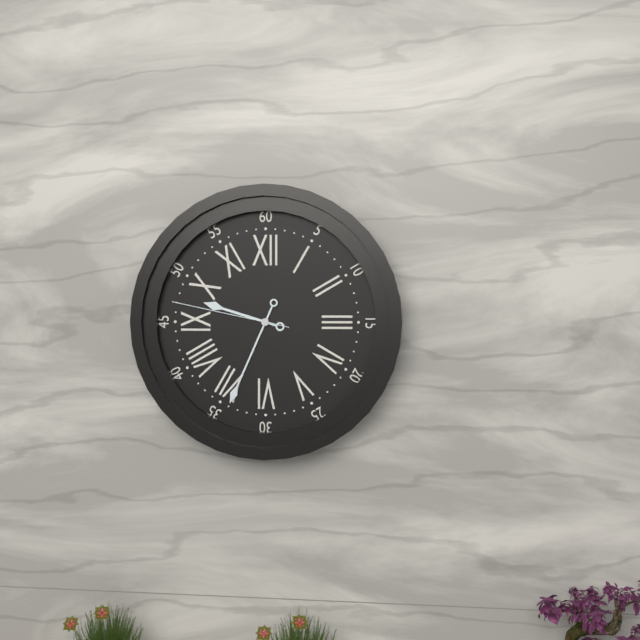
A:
9.34.47
